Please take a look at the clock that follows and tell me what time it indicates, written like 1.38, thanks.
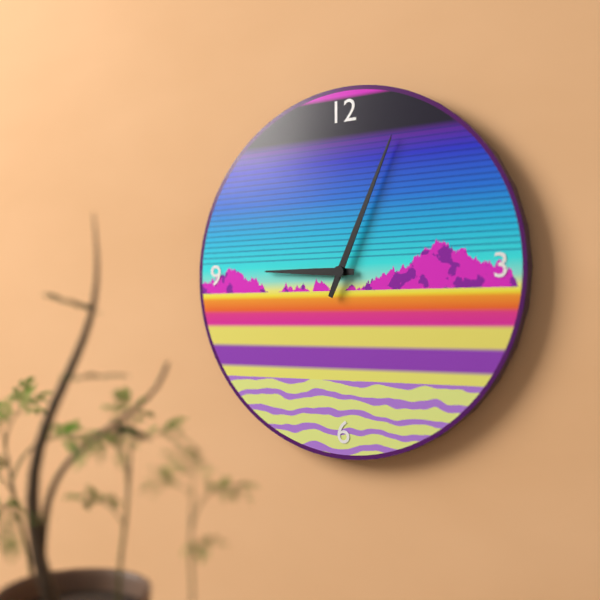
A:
9.04
